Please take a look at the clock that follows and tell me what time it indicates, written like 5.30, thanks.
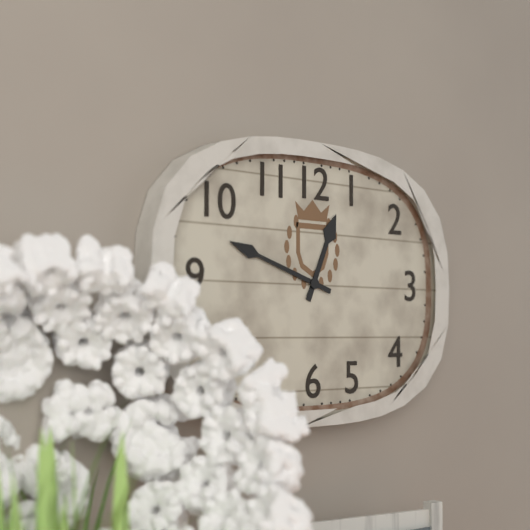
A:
12.48
